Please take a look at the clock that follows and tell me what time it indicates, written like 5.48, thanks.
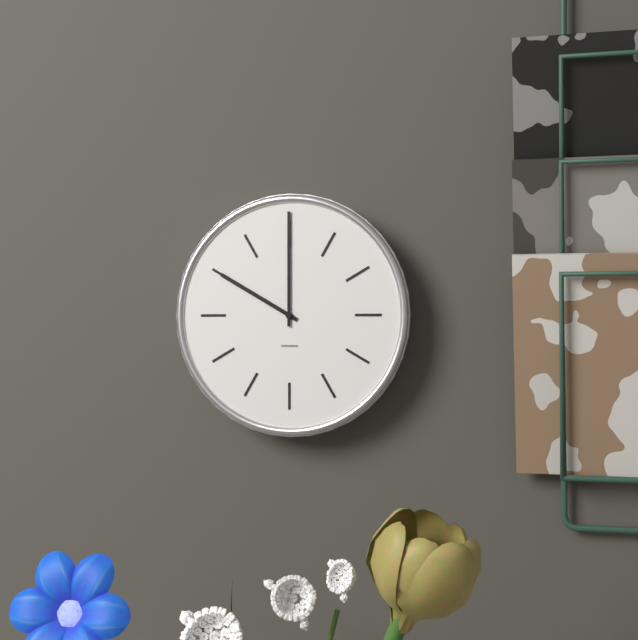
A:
10.00
